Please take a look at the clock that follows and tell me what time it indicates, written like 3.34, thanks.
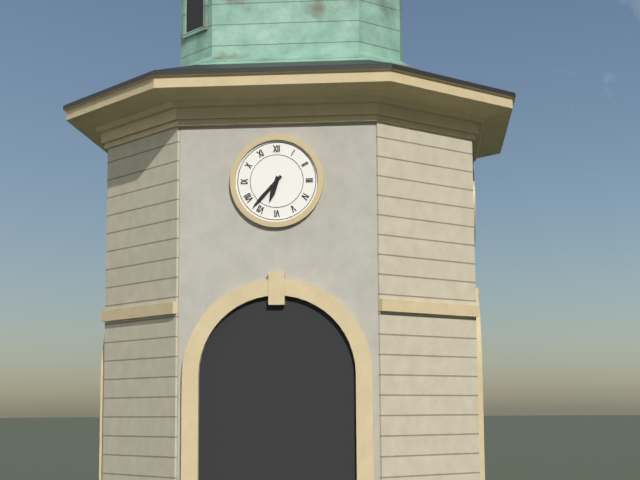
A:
6.37
